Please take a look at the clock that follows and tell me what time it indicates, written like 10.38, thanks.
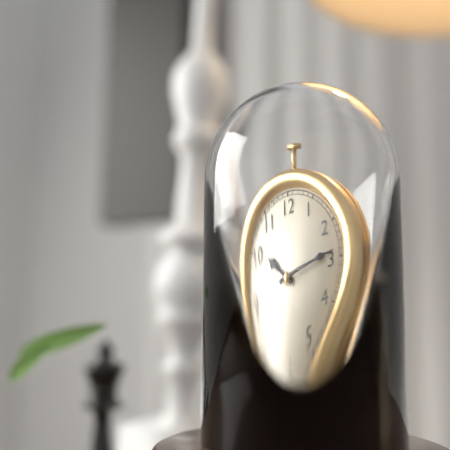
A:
10.14
